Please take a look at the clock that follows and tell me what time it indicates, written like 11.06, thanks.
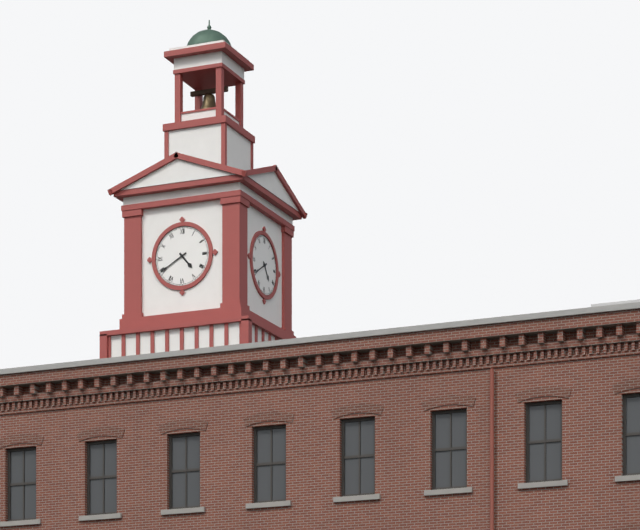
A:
4.40
